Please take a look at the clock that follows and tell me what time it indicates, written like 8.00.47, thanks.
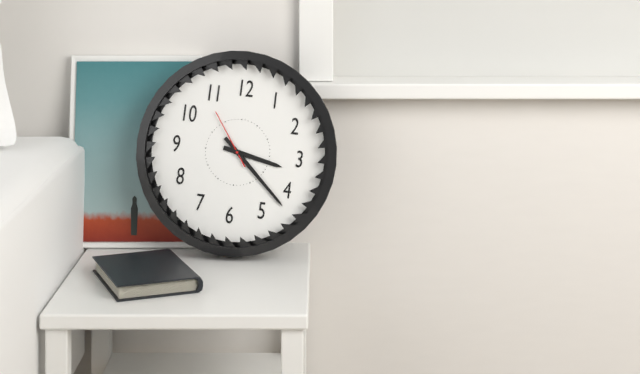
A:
3.22.54
